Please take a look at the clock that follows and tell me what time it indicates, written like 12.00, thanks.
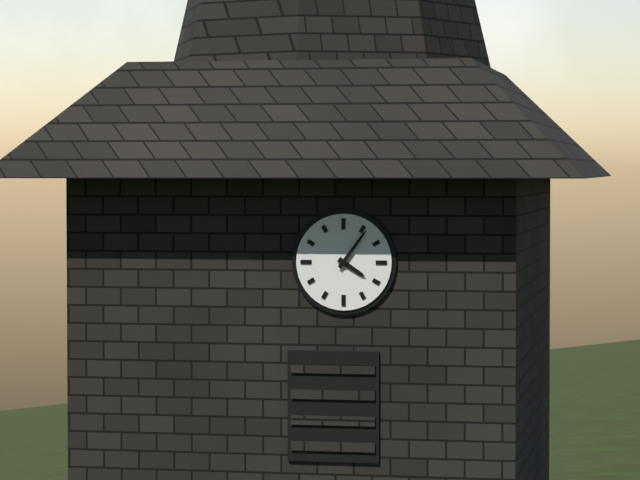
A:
4.06
